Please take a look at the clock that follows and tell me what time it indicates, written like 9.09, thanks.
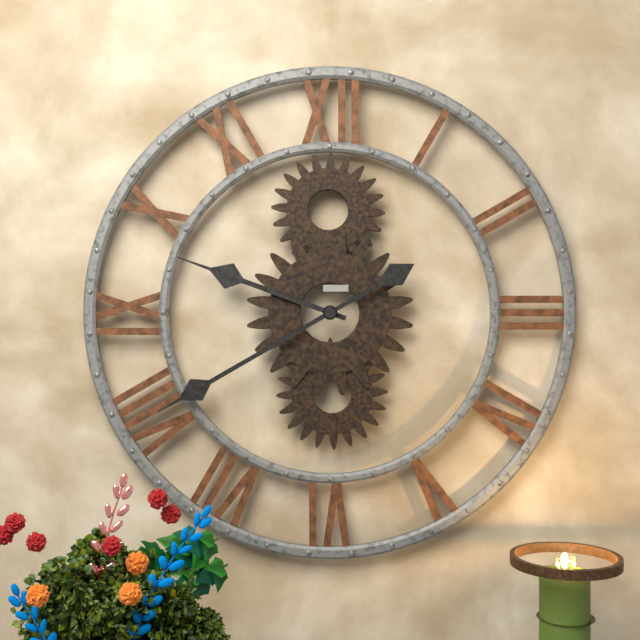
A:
9.40
